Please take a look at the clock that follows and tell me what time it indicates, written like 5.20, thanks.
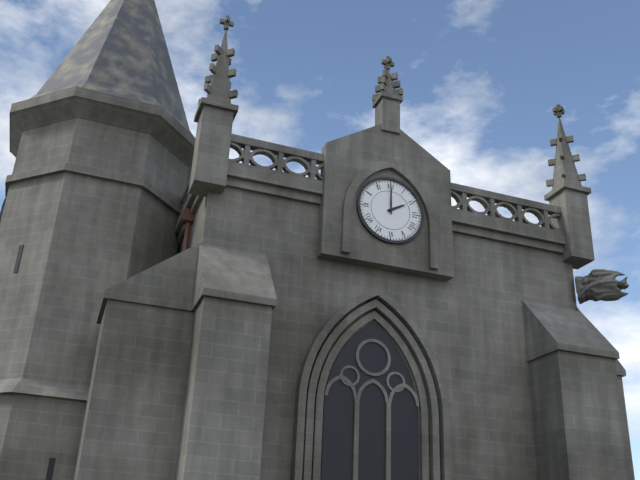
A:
2.00
